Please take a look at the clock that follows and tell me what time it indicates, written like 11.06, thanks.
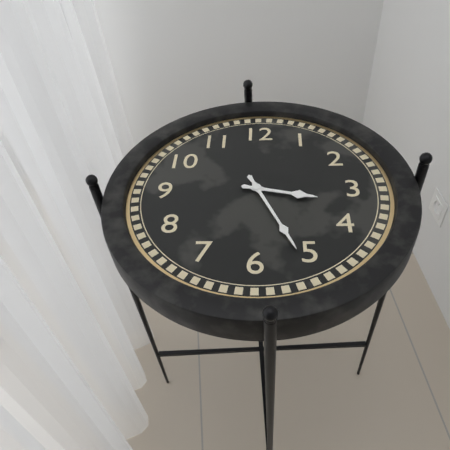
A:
3.26
